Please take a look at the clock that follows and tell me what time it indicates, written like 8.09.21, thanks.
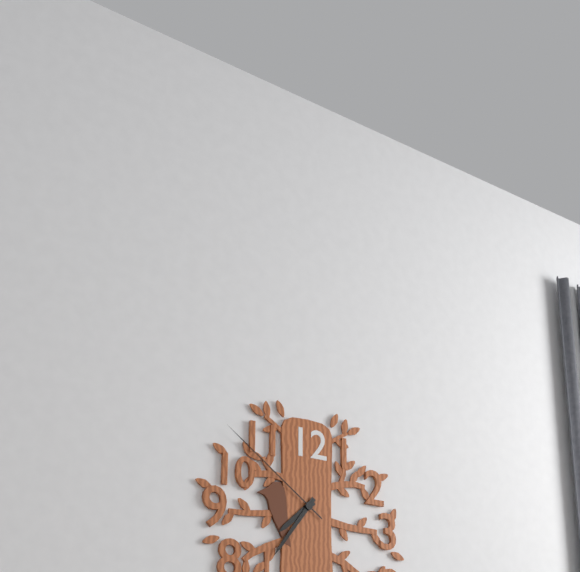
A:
7.36.51
